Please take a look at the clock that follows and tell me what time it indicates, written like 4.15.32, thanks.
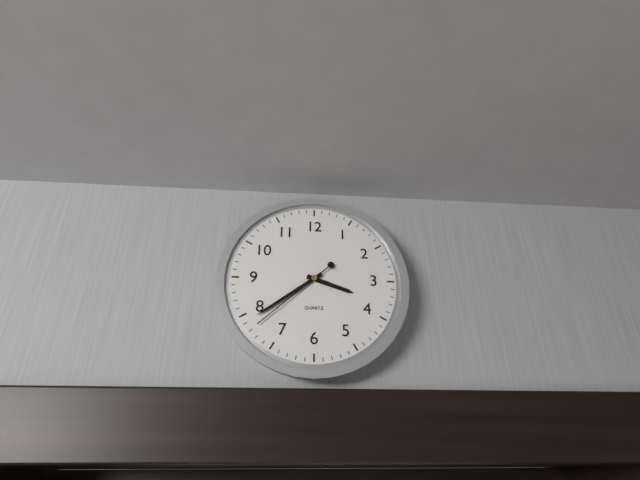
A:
3.39.38
